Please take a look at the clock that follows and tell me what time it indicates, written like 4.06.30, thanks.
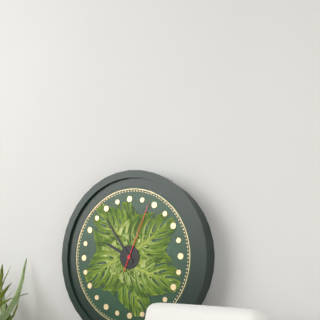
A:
9.54.04
